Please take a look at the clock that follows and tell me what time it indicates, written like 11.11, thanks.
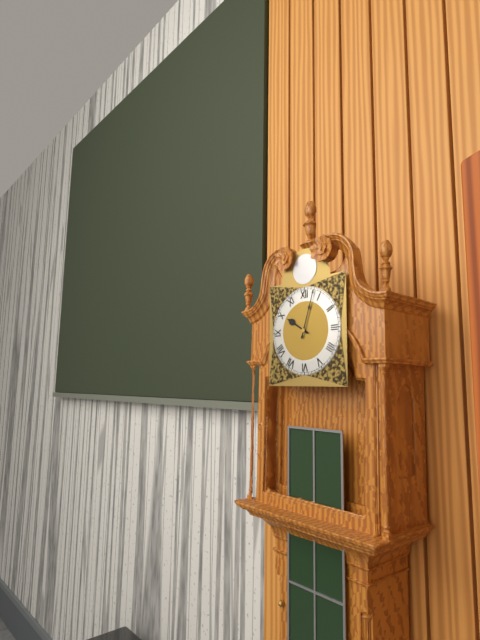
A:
10.03
